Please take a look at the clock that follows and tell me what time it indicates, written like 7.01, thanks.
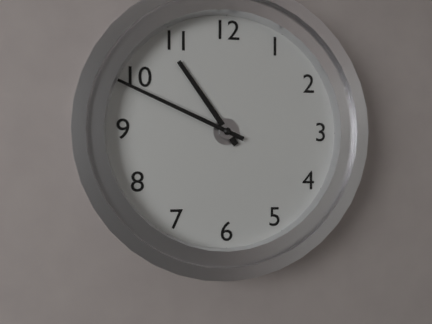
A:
10.49
